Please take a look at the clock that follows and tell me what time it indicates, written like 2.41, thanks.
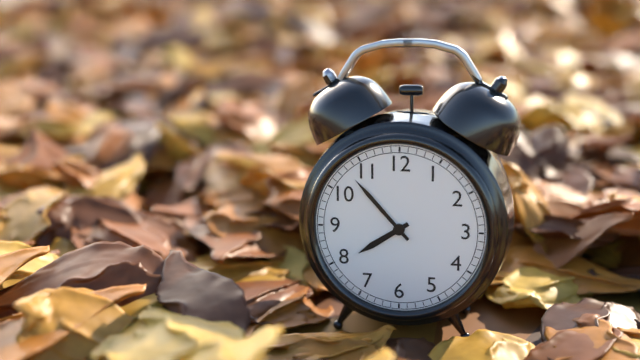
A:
7.53
